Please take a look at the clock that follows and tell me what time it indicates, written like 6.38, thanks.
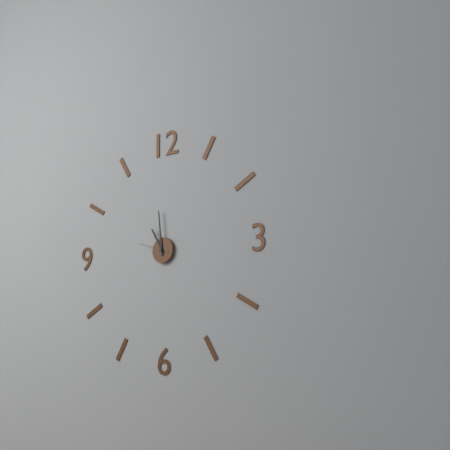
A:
10.59
